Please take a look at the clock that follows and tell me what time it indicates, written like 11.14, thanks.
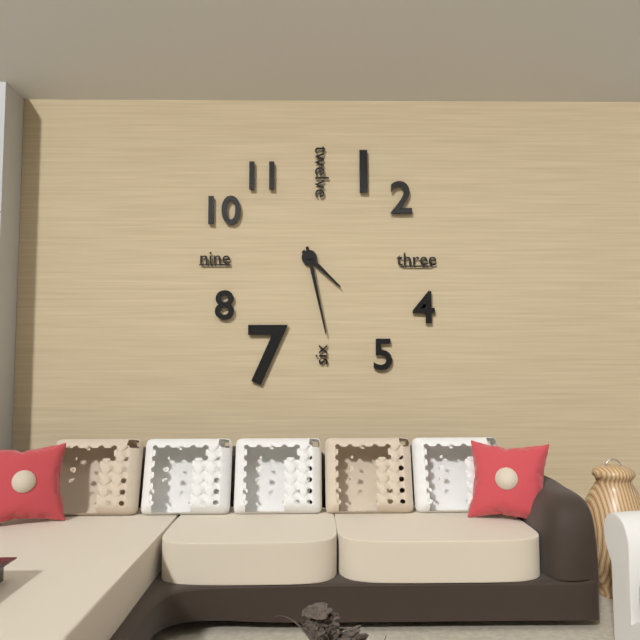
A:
4.28
